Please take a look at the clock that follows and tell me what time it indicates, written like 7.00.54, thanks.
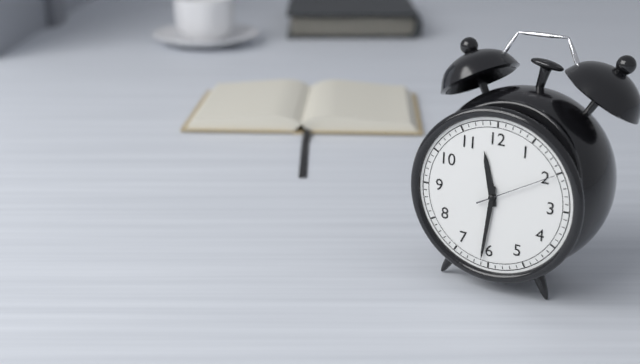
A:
11.31.10
